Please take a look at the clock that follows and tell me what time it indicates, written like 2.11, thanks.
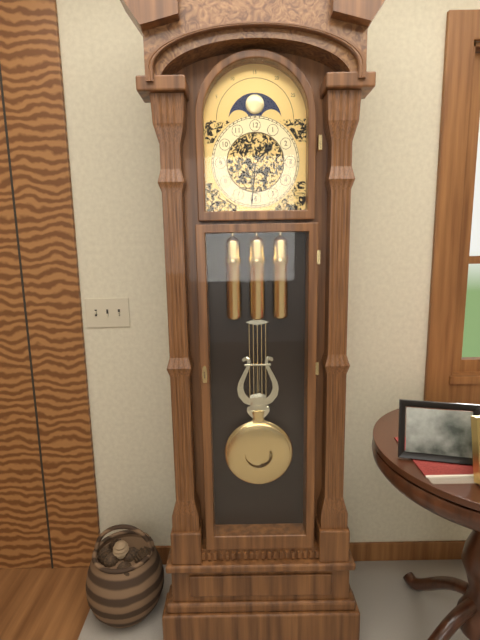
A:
1.31
